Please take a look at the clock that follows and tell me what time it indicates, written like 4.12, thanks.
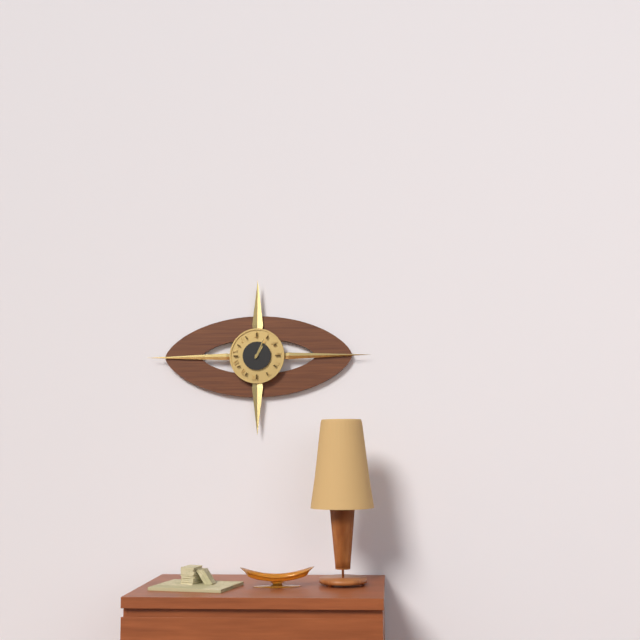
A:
1.04
